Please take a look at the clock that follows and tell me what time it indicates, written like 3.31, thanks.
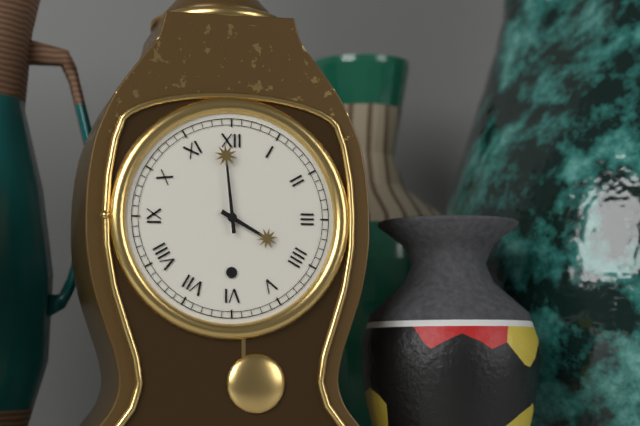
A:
3.59
